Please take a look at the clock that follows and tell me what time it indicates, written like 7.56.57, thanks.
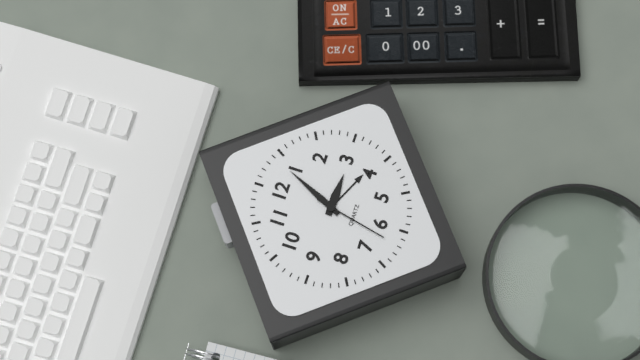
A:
3.04.32
